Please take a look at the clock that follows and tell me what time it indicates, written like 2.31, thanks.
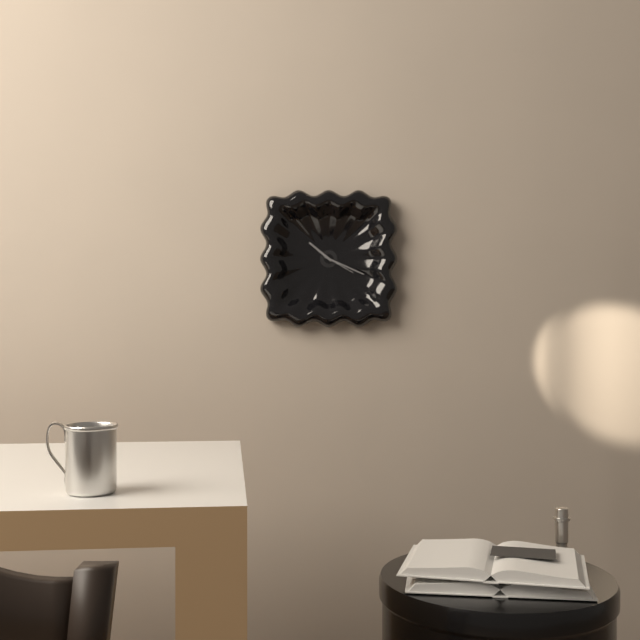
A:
10.19
